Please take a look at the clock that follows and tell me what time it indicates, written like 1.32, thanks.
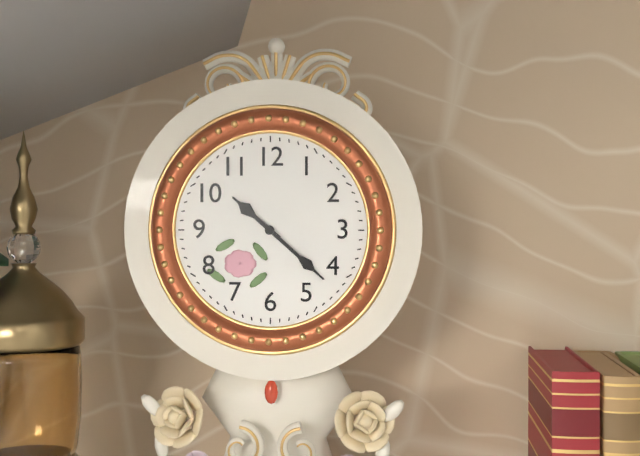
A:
10.22
